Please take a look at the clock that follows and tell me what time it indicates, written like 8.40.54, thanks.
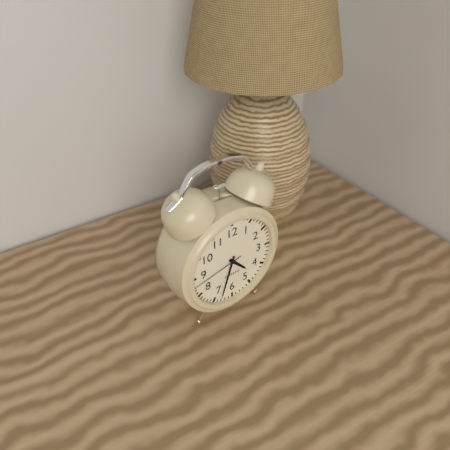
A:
4.33.43
